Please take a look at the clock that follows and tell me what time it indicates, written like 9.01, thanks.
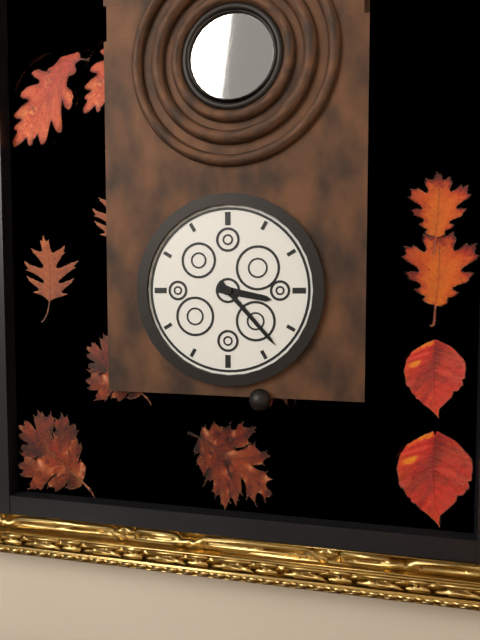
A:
3.23
